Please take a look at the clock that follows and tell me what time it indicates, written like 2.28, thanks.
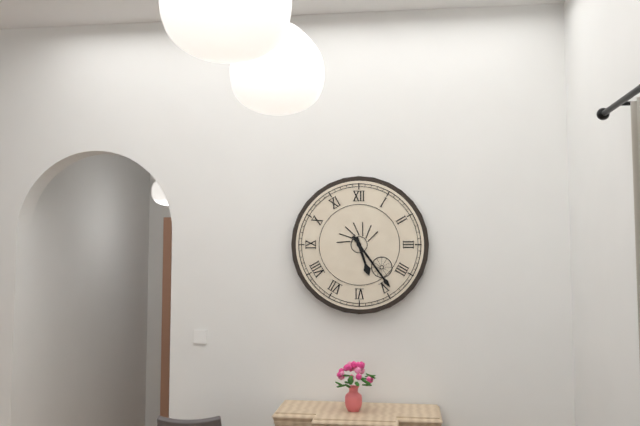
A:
5.24
